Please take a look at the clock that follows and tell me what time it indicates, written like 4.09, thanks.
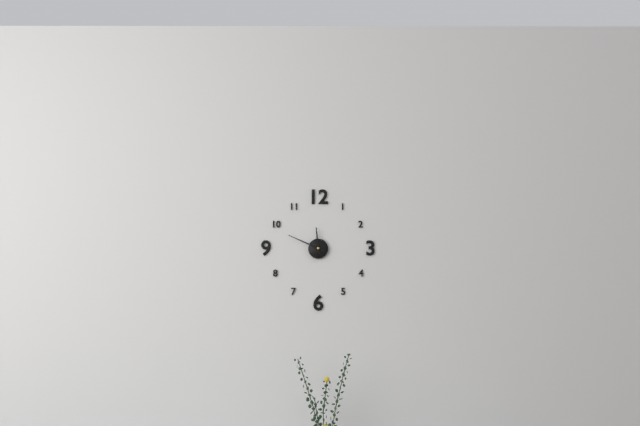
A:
11.49
